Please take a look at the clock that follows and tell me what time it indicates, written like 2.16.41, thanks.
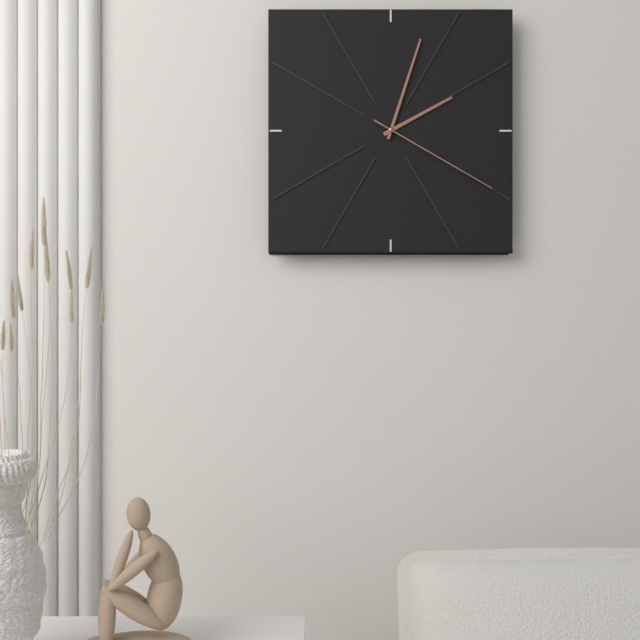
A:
2.03.20
